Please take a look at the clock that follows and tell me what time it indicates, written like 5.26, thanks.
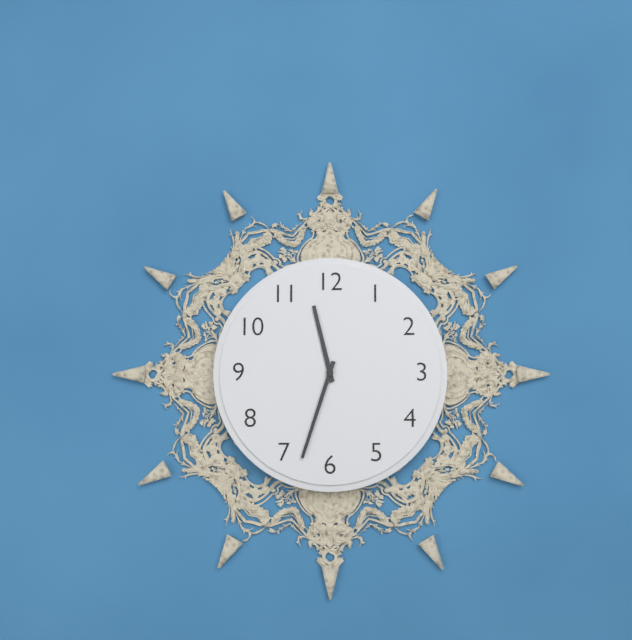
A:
11.33
